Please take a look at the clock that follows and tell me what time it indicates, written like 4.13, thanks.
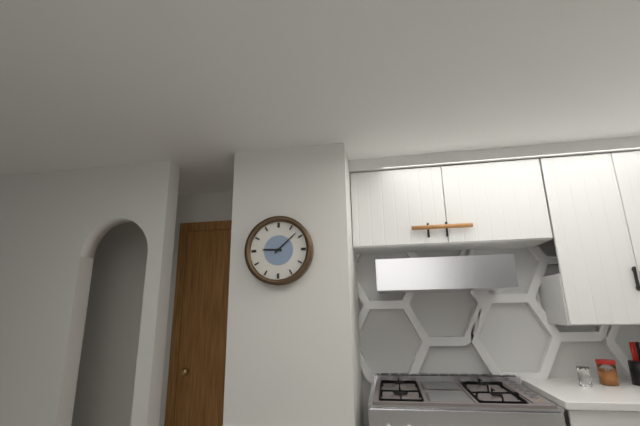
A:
9.08
